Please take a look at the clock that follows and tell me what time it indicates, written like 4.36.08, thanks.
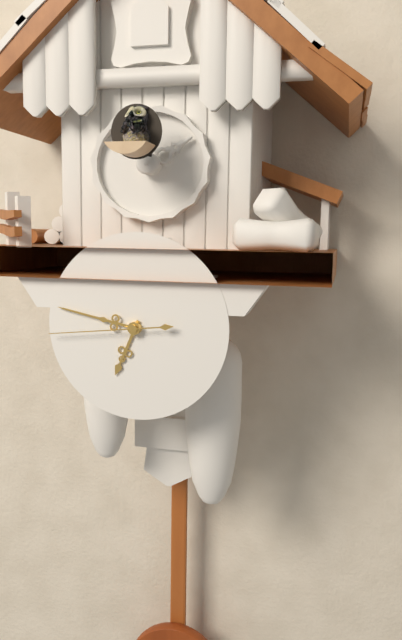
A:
6.47.44
